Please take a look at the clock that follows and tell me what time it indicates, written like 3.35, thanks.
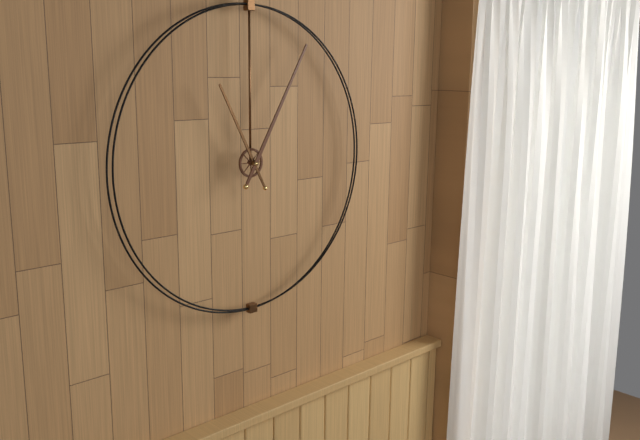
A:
11.05
